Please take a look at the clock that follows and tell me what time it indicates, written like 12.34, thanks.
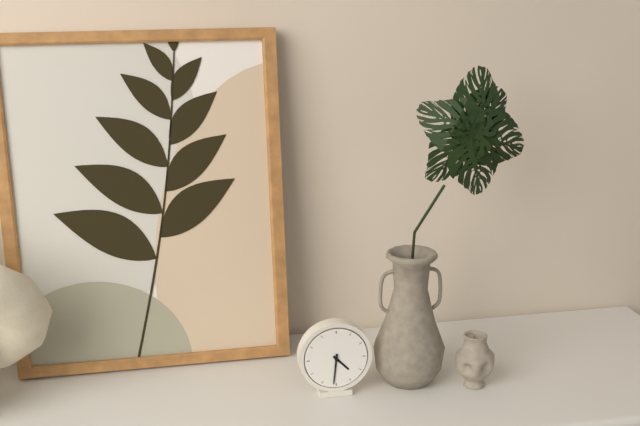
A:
4.31
